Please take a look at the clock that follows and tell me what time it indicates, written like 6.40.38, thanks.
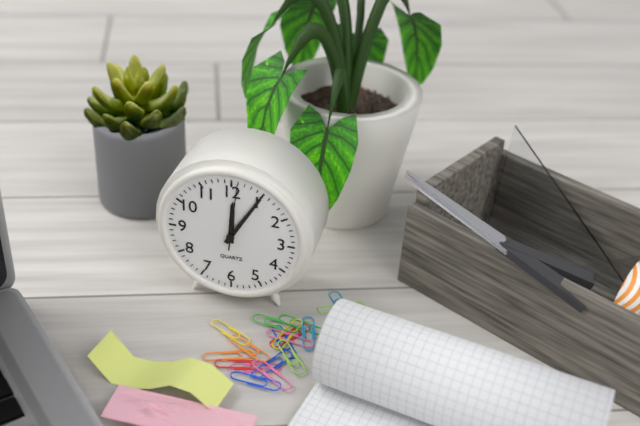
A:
12.05.01
